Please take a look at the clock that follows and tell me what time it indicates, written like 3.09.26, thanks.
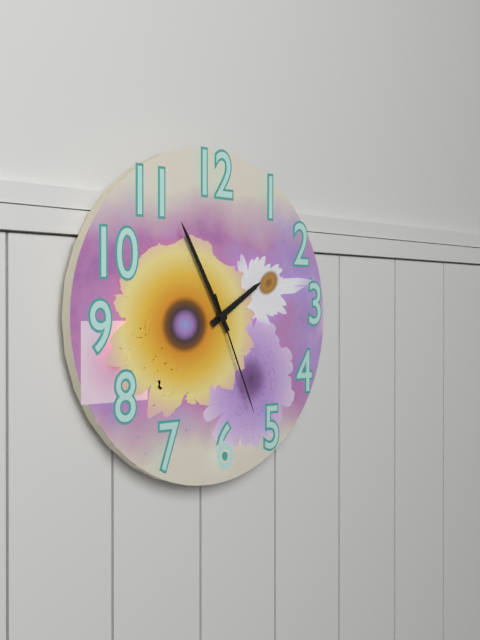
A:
1.55.26
